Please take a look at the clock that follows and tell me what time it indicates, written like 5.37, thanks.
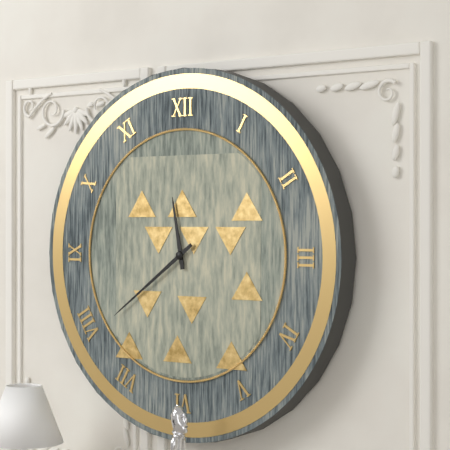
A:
11.39
